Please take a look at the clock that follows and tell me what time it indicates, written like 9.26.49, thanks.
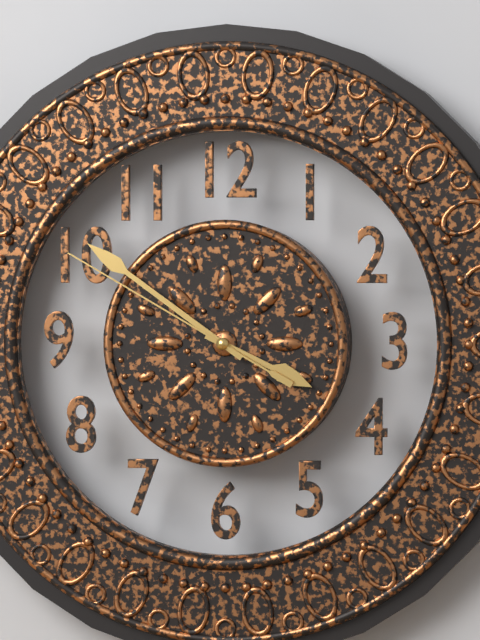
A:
3.51.50
